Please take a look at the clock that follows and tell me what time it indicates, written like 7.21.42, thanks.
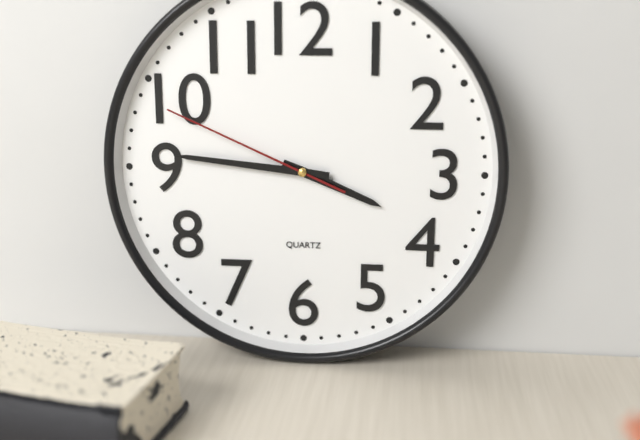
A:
3.46.49
